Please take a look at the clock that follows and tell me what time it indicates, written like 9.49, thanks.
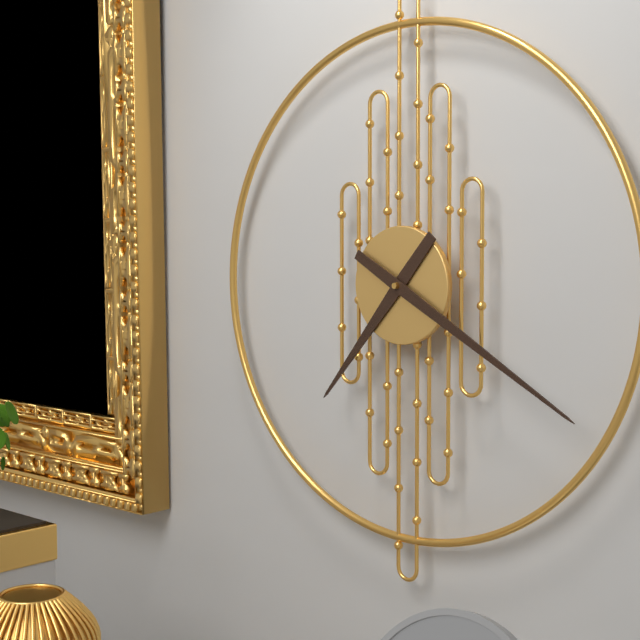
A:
7.20
